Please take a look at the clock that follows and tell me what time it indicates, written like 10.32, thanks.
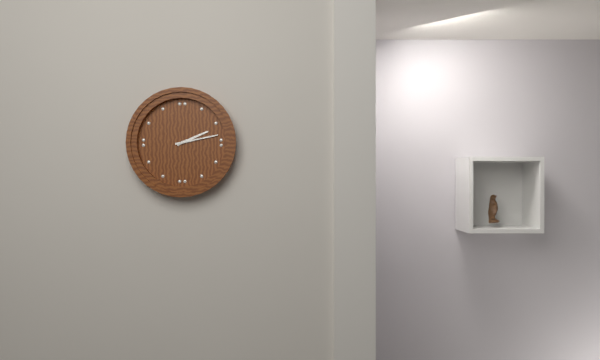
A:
2.13
